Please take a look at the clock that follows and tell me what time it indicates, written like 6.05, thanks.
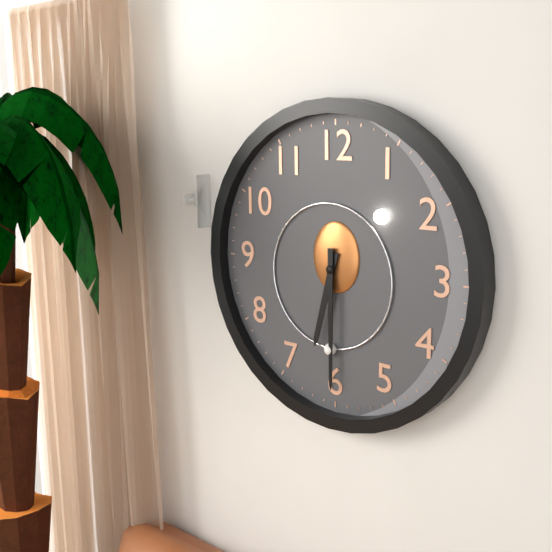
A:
6.30
